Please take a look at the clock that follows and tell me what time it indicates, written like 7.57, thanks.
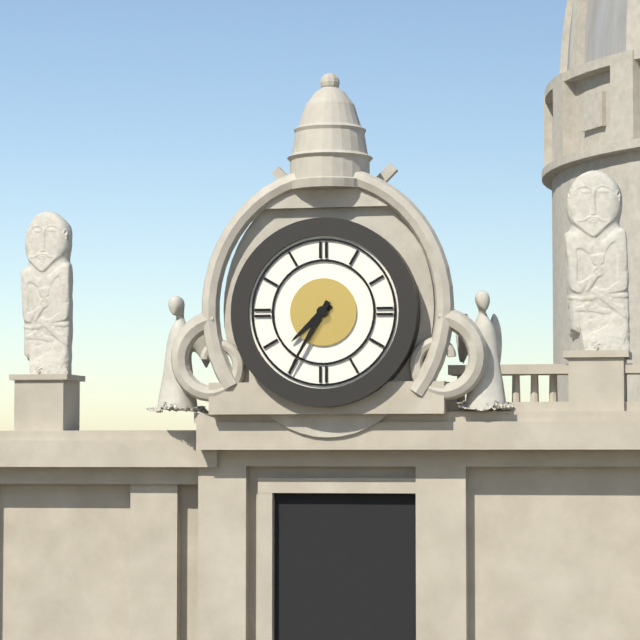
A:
7.35
